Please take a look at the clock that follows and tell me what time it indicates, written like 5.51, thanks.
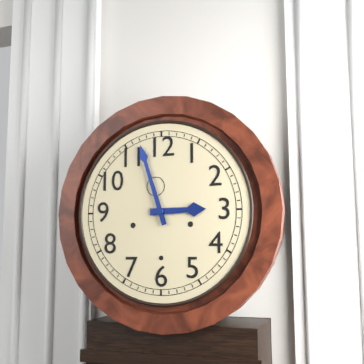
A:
2.57
